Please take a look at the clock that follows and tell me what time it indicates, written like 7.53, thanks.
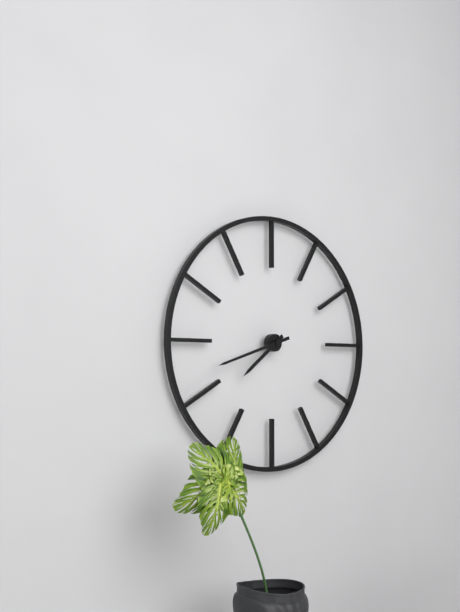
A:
7.42
